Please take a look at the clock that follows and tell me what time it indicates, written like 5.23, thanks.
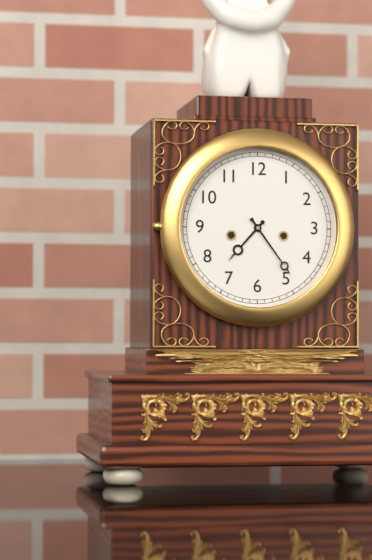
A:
7.24
